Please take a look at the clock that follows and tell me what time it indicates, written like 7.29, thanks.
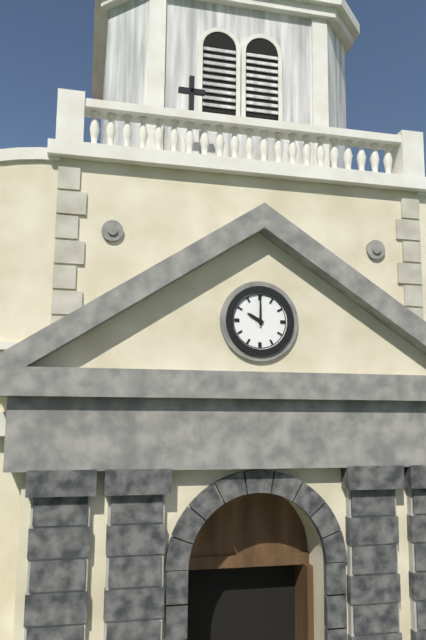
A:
10.00
